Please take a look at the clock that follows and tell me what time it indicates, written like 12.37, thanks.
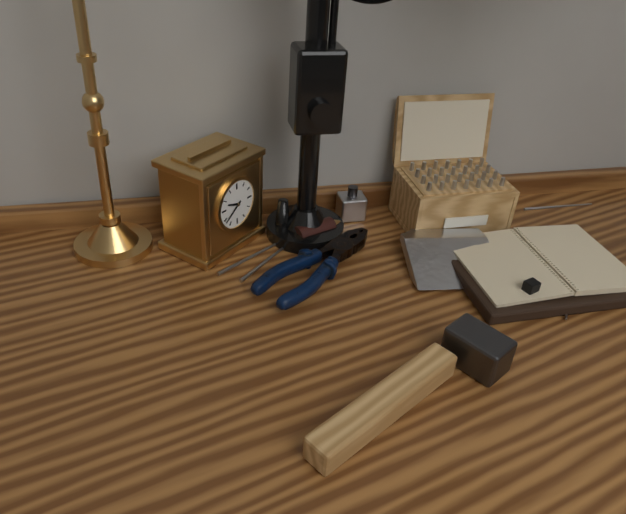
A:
9.39
